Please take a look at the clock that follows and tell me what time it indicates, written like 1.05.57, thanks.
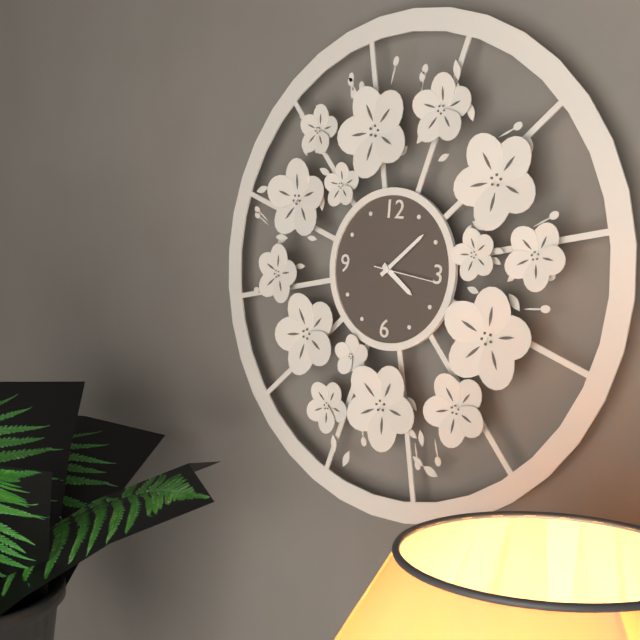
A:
4.08.16
